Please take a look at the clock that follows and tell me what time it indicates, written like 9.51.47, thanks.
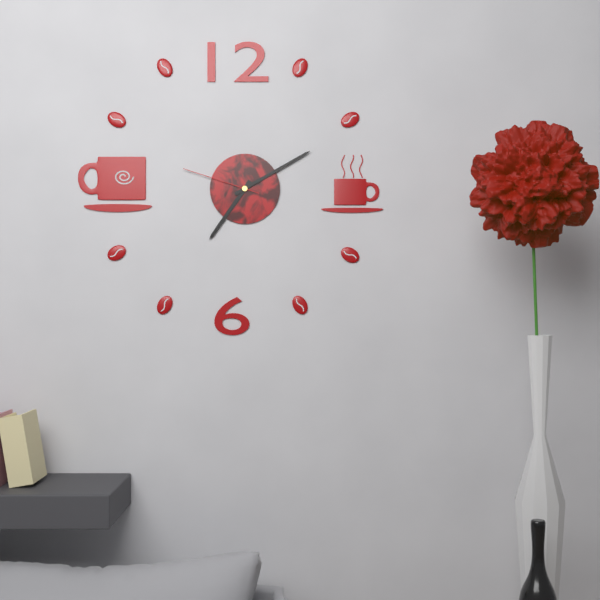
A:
7.10.48
